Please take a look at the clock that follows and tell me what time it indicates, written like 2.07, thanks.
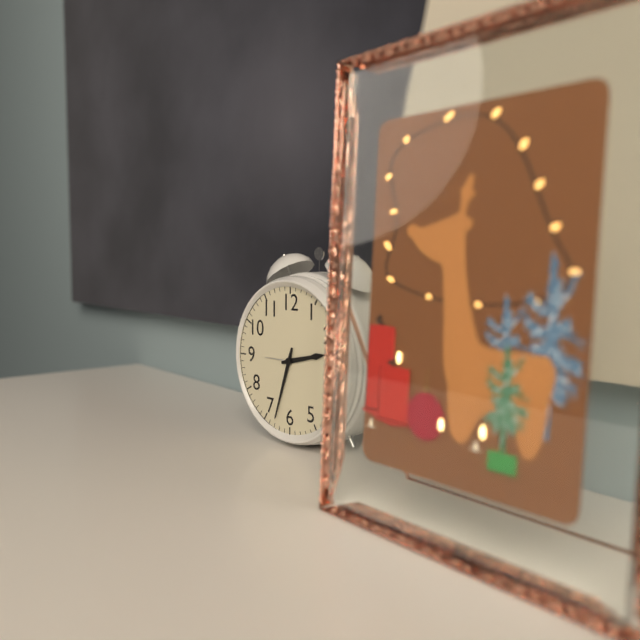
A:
2.33
